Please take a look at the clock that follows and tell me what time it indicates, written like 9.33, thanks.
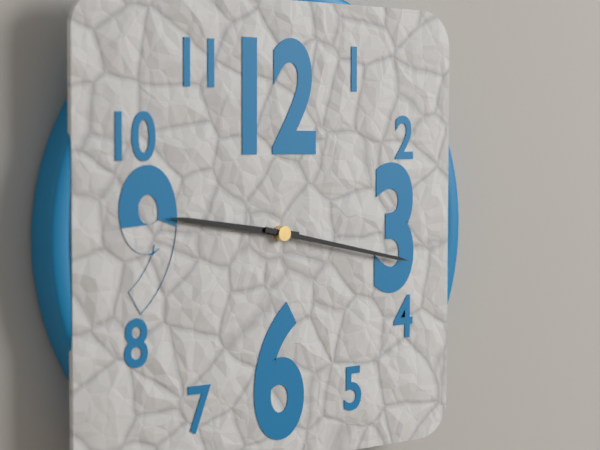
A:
9.17
